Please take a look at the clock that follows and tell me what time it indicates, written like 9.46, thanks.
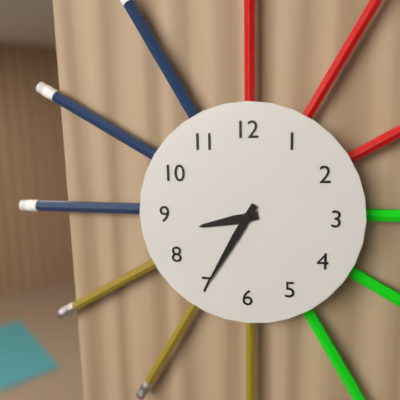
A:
8.35
